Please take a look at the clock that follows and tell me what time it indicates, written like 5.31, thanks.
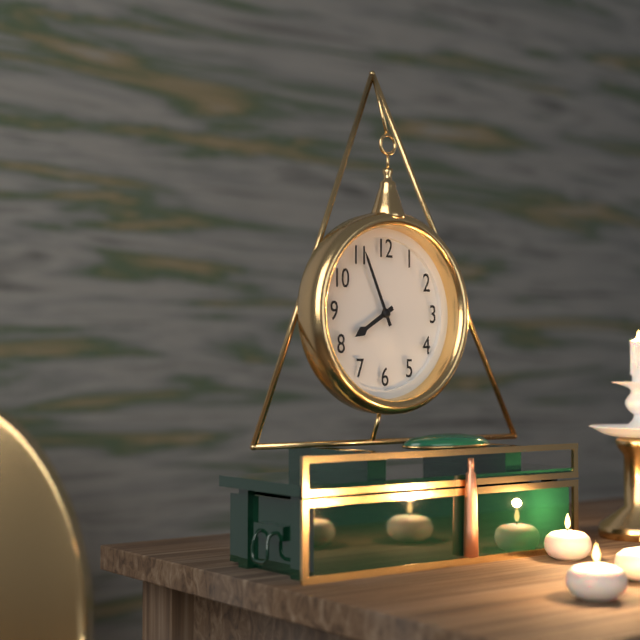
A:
7.56
